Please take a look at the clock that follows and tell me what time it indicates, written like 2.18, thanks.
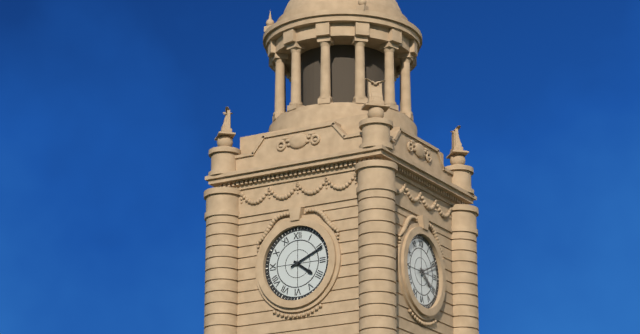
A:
4.11
